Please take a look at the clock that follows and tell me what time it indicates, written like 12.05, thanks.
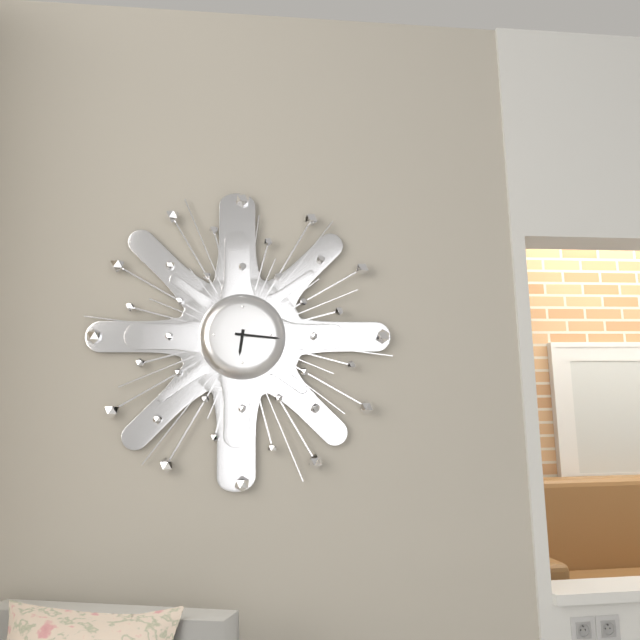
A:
6.16
